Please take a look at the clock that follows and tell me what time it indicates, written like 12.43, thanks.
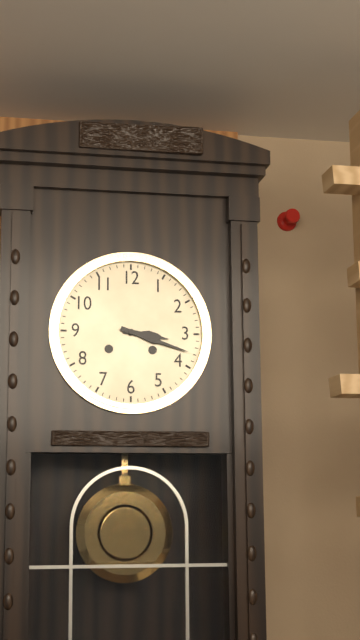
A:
3.18
